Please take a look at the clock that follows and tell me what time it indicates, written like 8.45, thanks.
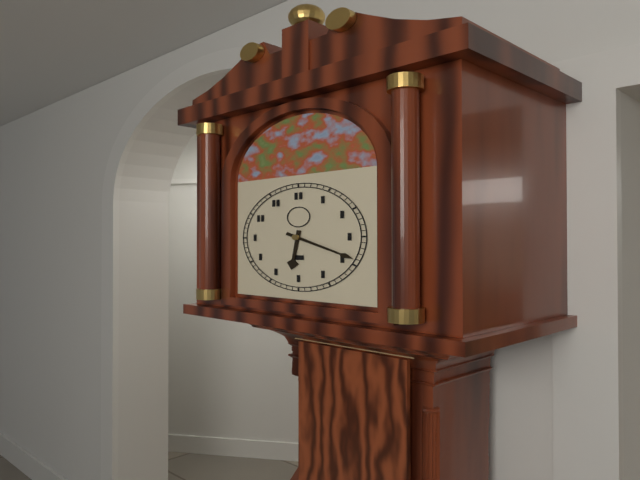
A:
6.19
